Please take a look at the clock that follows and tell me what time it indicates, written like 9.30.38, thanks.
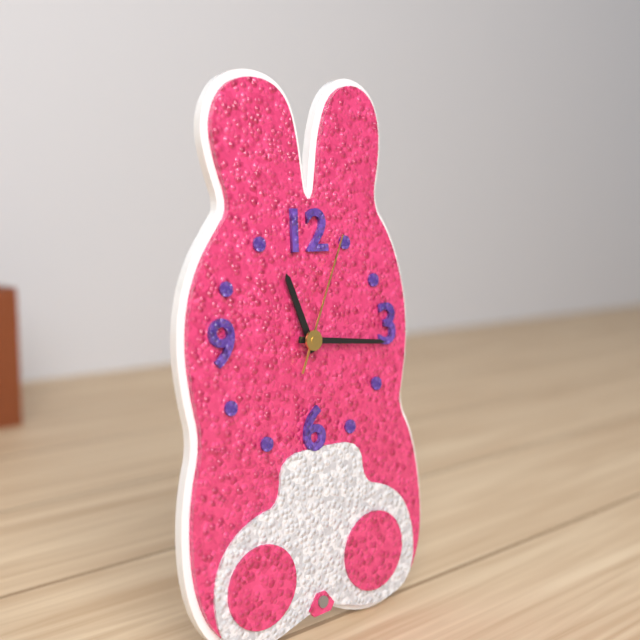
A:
11.16.04
